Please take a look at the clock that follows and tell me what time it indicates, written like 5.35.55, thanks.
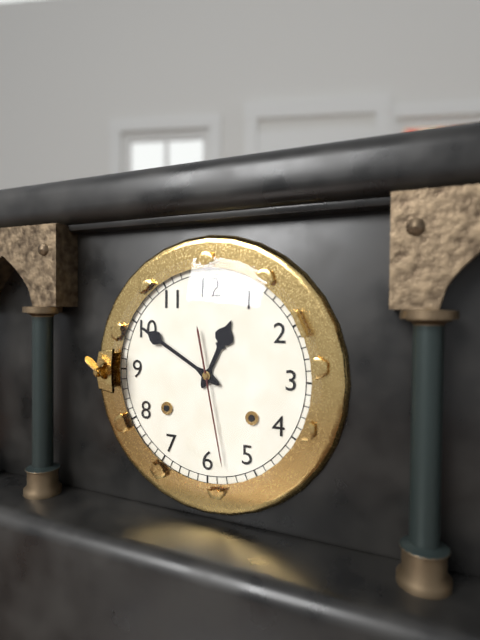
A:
12.50.28
